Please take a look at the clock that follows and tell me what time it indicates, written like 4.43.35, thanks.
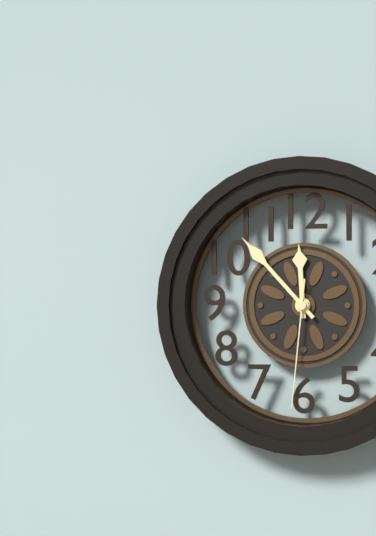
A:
11.53.31
